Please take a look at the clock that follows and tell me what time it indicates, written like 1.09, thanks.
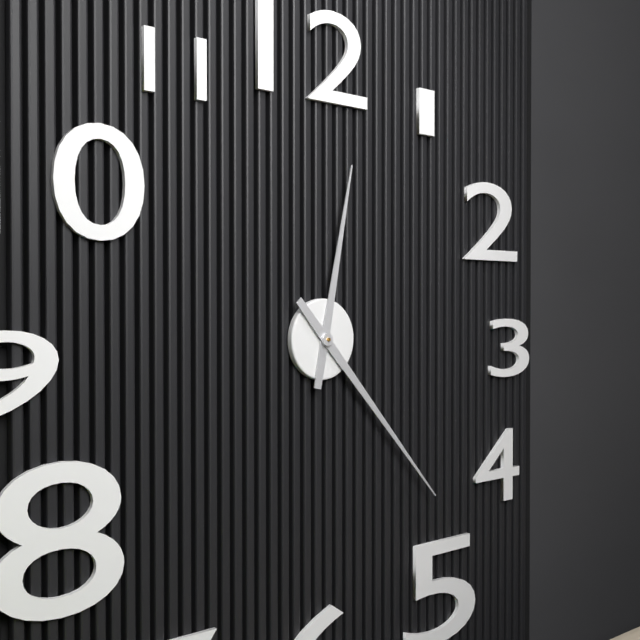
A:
12.23
